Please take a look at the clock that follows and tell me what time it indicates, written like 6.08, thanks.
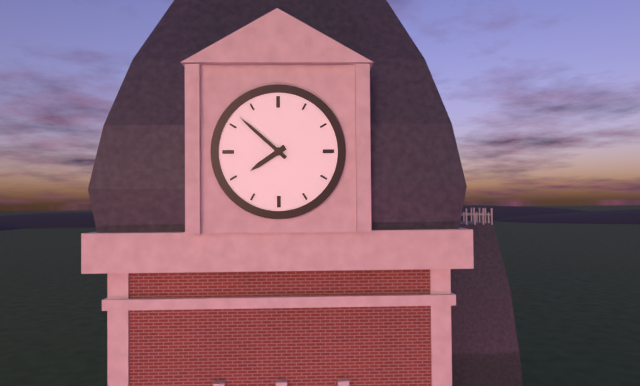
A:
7.52
